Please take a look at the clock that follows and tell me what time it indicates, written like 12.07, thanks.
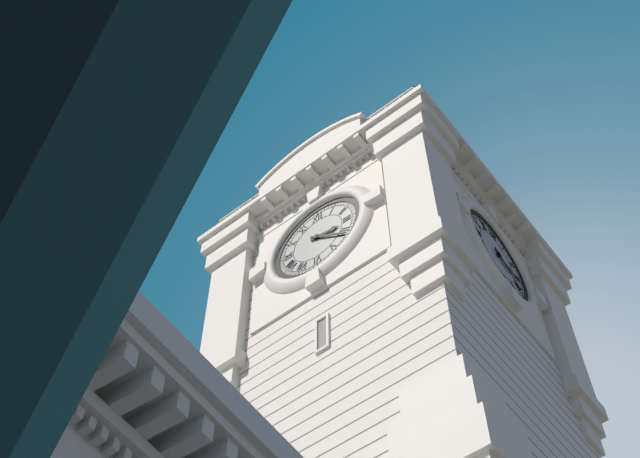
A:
3.21
